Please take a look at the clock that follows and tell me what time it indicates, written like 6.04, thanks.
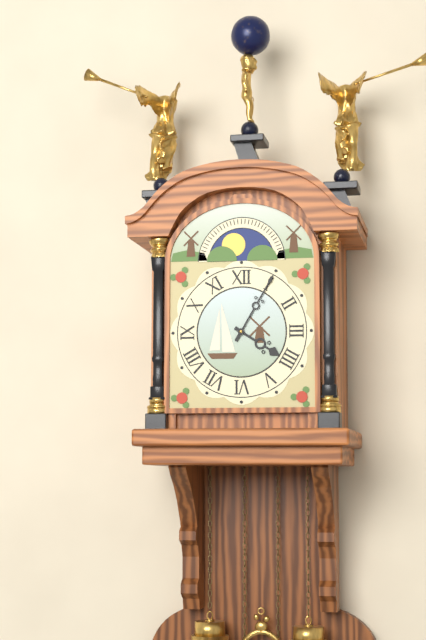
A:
4.05
